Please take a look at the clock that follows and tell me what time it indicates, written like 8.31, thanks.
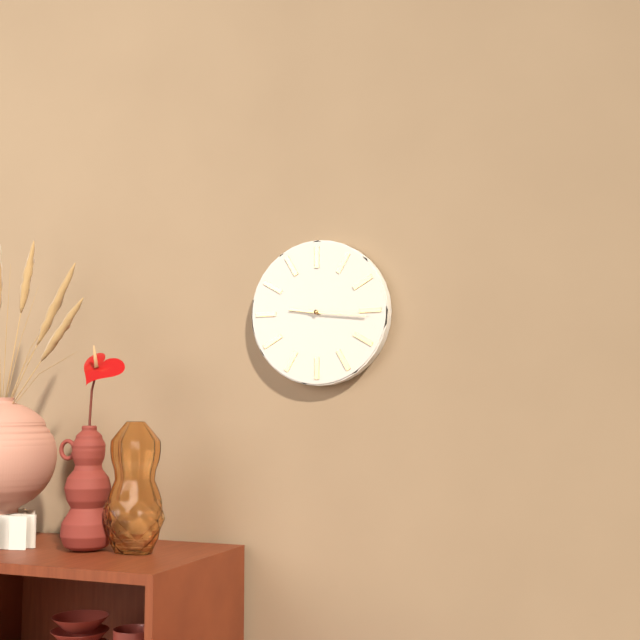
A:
9.16
